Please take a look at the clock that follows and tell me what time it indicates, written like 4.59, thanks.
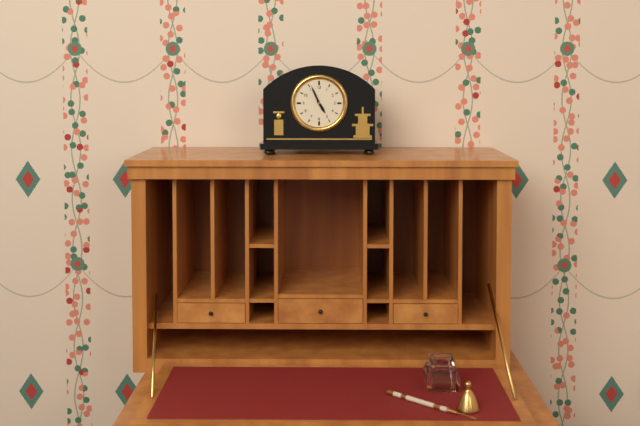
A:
4.56
